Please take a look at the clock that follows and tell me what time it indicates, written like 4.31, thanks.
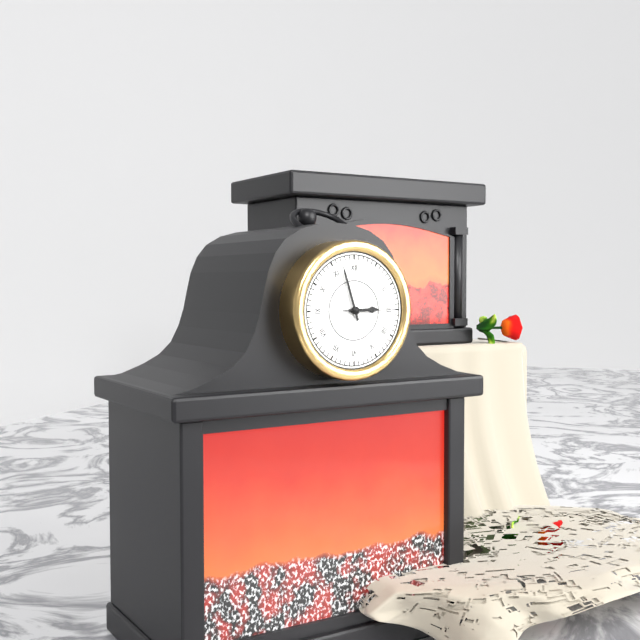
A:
2.57
